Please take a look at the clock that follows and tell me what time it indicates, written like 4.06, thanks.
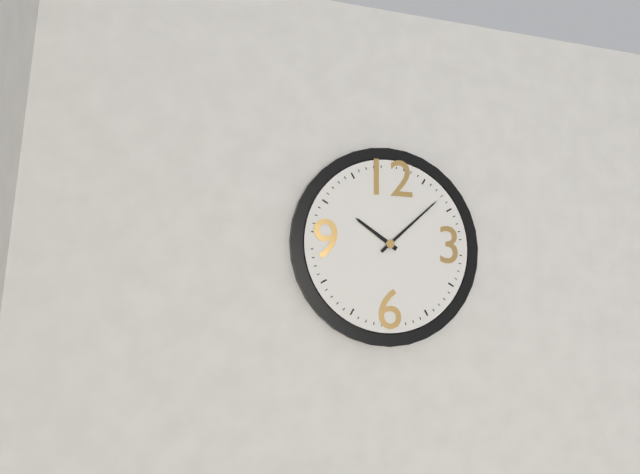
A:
10.08
